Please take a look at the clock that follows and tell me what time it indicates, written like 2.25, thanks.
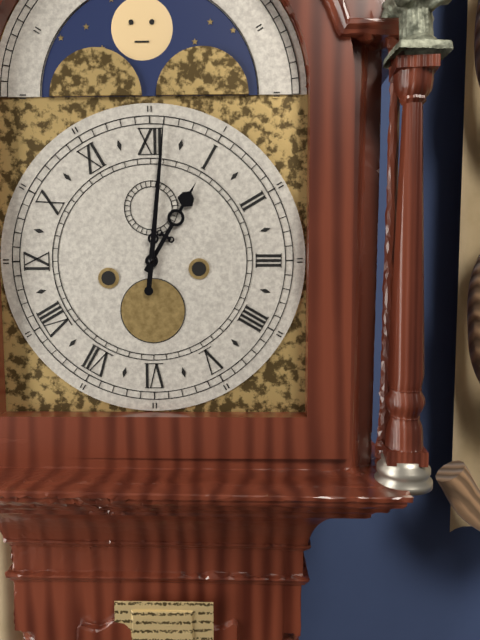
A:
1.01
